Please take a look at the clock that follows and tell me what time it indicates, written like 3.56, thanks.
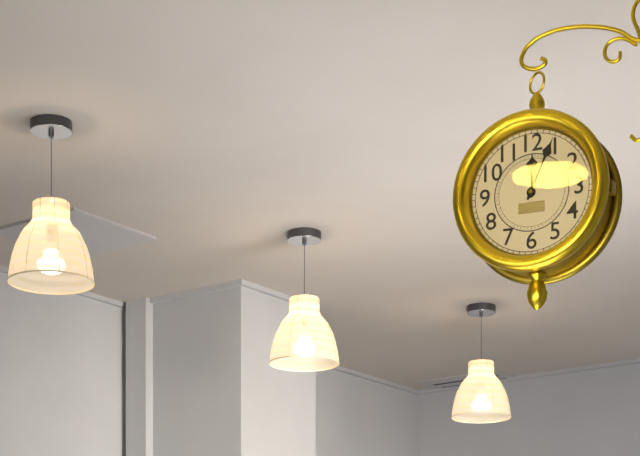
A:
12.04
